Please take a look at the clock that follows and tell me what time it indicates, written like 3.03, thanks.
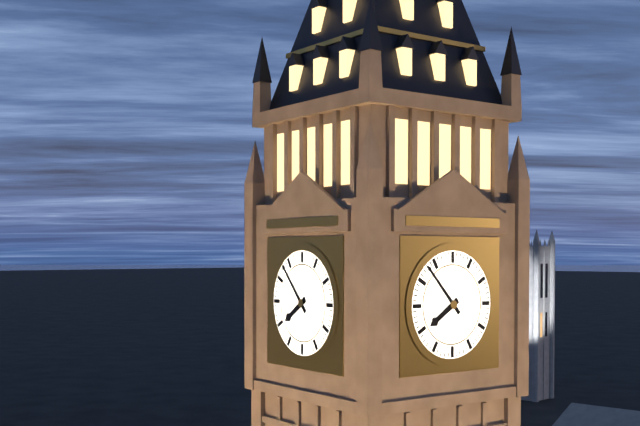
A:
7.53
